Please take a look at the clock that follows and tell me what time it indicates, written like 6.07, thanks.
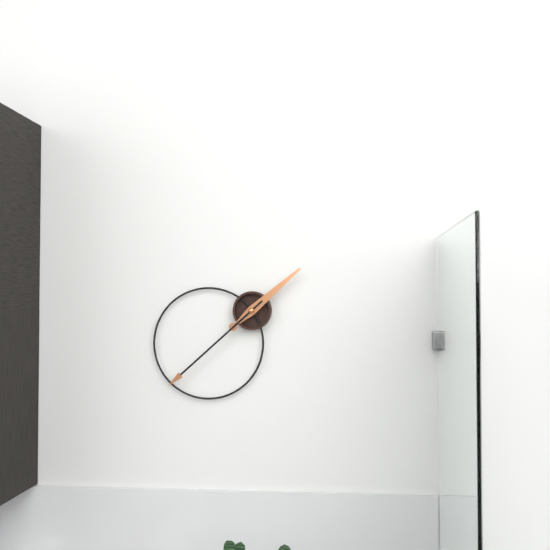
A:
1.38
